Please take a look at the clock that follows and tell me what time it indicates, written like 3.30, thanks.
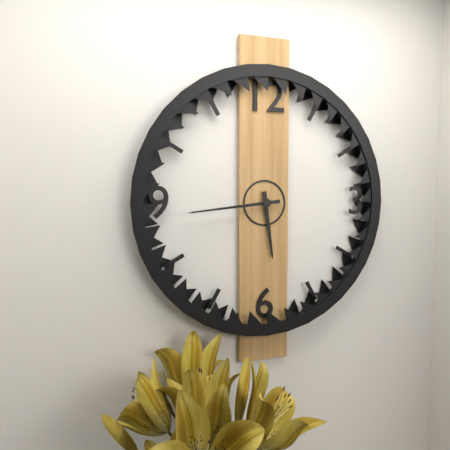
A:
5.44
